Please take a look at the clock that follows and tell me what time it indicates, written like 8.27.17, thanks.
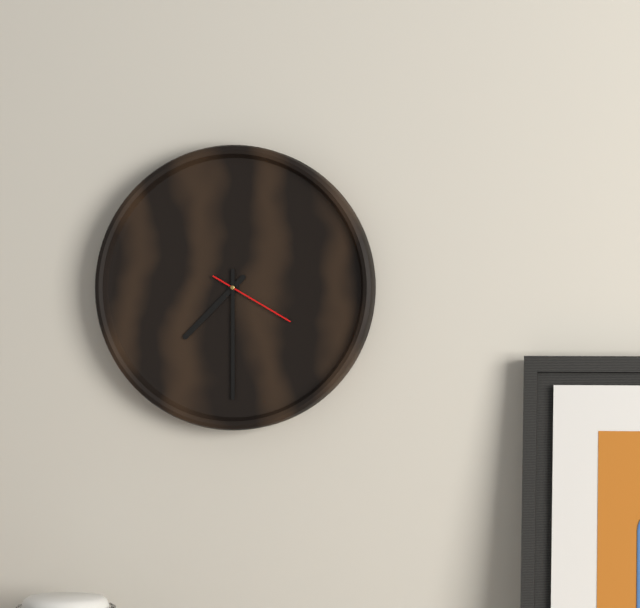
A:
7.30.20
